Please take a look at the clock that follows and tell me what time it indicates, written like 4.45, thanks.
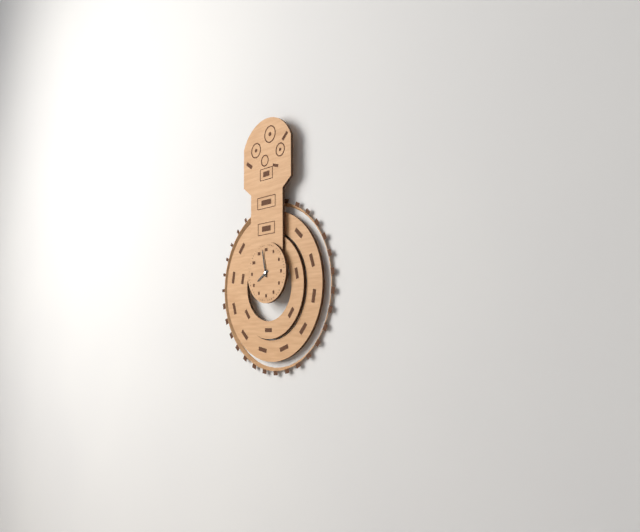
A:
7.58
